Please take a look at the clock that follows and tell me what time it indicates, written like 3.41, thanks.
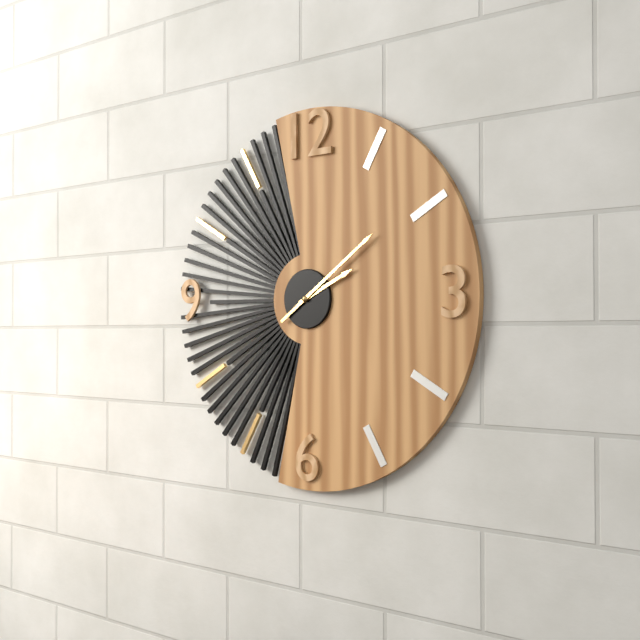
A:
2.09
